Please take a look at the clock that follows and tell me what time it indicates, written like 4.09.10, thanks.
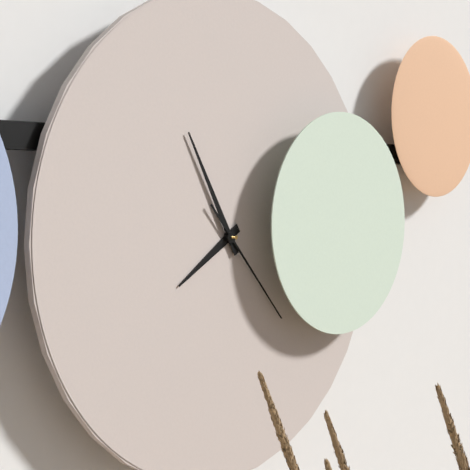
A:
7.55.23
